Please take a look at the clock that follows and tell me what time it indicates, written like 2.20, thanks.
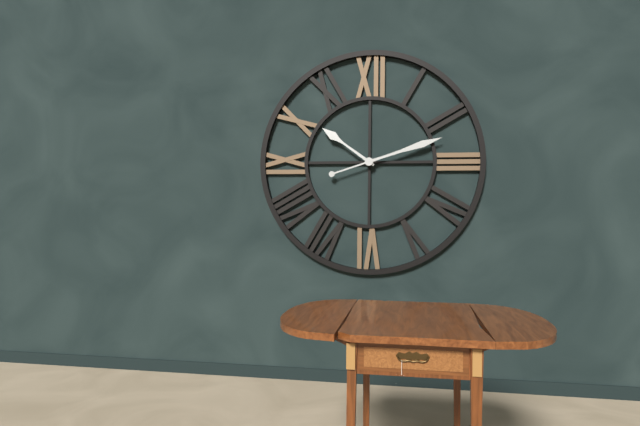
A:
10.12
